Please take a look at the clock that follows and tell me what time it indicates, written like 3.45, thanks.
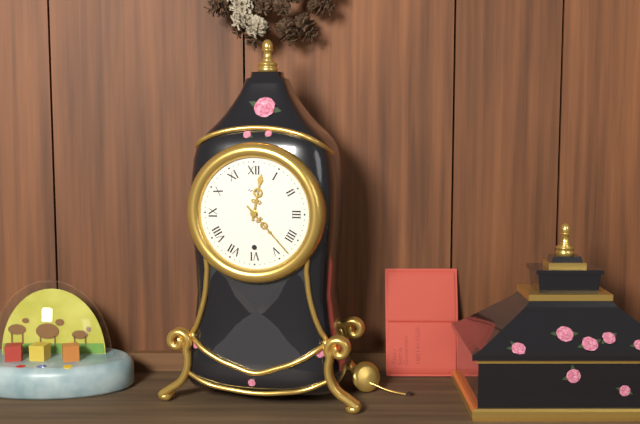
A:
12.23
